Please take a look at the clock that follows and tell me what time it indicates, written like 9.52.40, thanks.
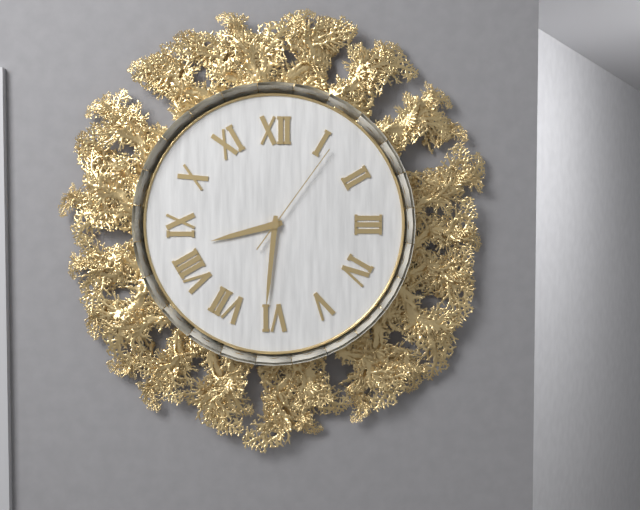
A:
8.31.06
